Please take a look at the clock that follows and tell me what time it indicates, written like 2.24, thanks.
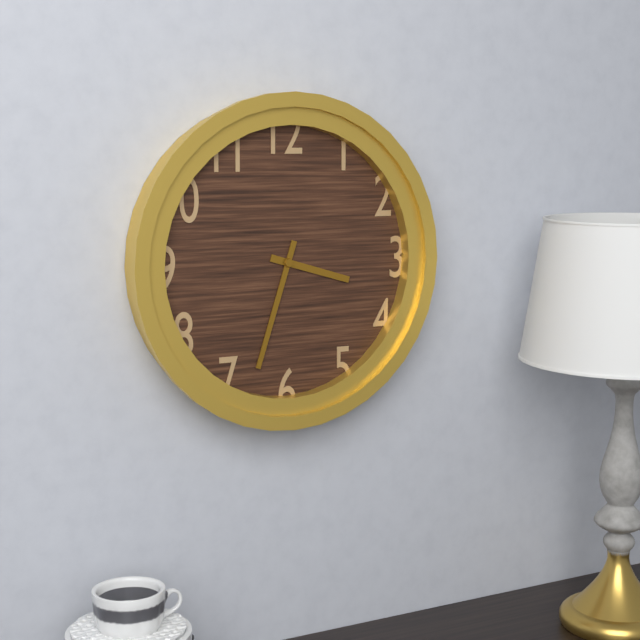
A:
3.33
